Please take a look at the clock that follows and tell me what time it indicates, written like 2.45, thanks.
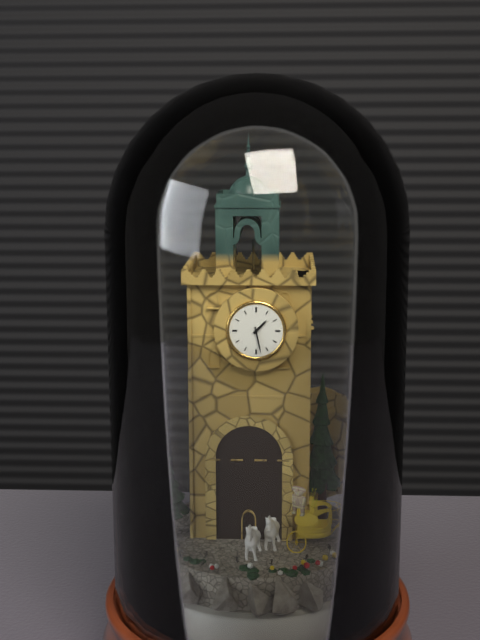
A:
1.28
